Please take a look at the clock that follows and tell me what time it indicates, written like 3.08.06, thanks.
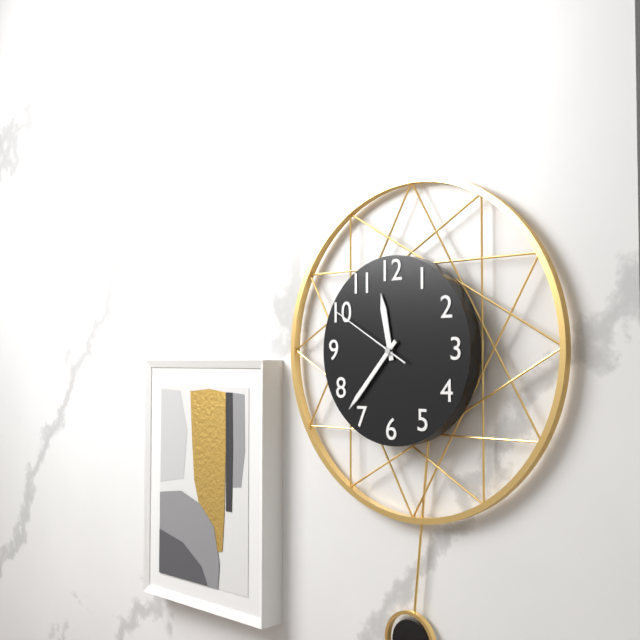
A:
11.37.50
